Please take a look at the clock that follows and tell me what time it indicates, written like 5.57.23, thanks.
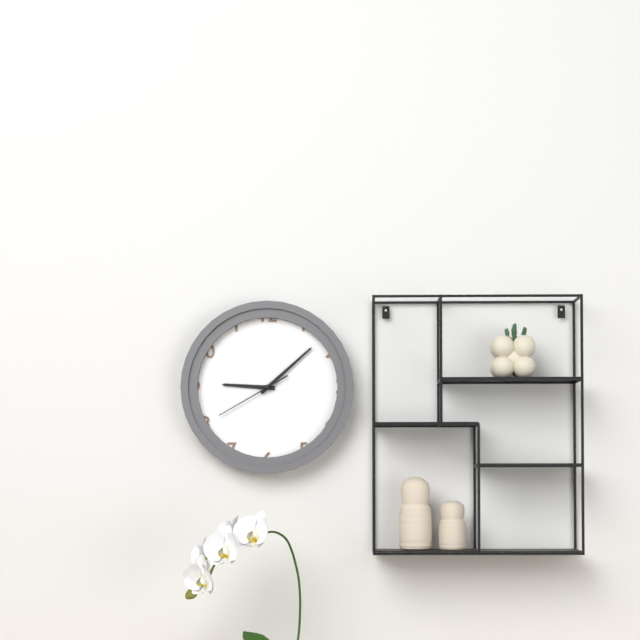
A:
9.08.40
